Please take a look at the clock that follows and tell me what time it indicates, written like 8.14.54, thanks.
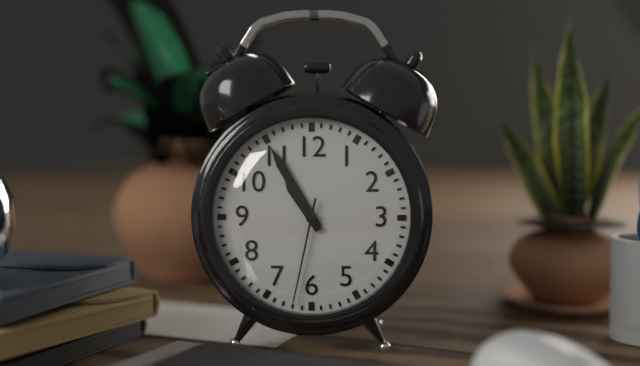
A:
10.55.32
